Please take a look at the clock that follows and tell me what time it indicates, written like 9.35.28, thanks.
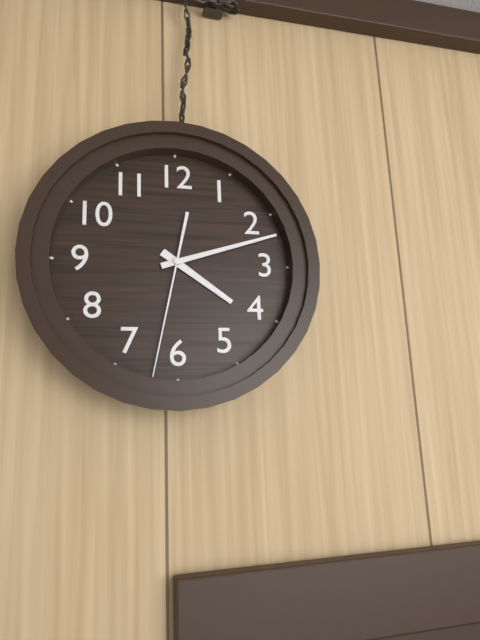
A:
4.12.32
